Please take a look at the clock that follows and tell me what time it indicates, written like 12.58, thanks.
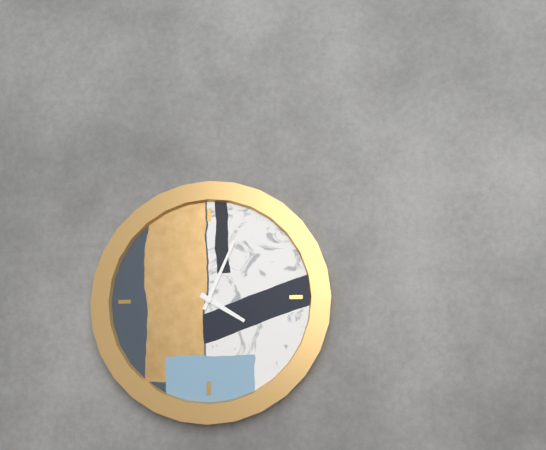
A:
4.04
